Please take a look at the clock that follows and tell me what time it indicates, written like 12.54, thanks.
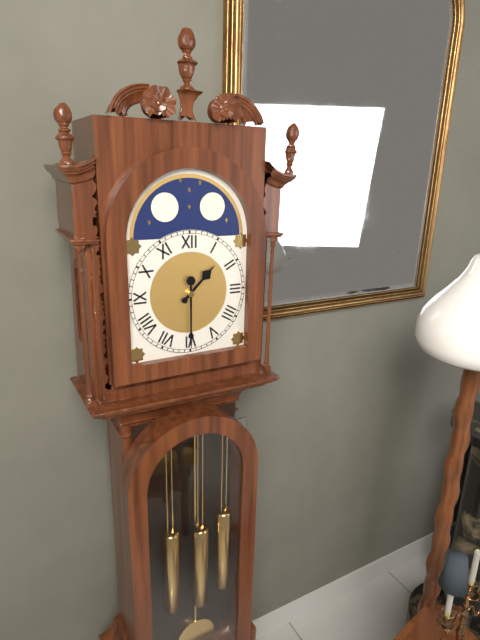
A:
1.30
